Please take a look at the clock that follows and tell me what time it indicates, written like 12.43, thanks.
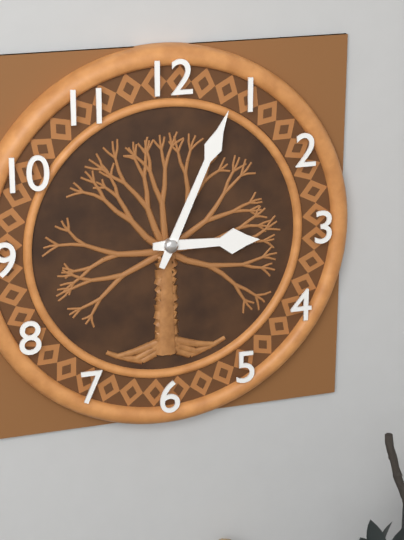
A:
3.04
